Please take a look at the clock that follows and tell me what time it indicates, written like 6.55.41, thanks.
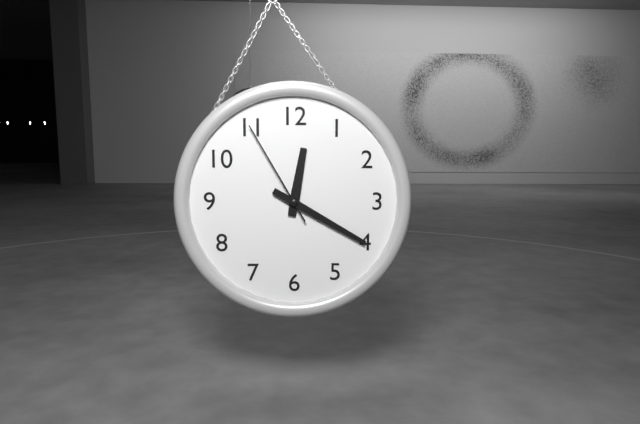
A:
12.20.55
